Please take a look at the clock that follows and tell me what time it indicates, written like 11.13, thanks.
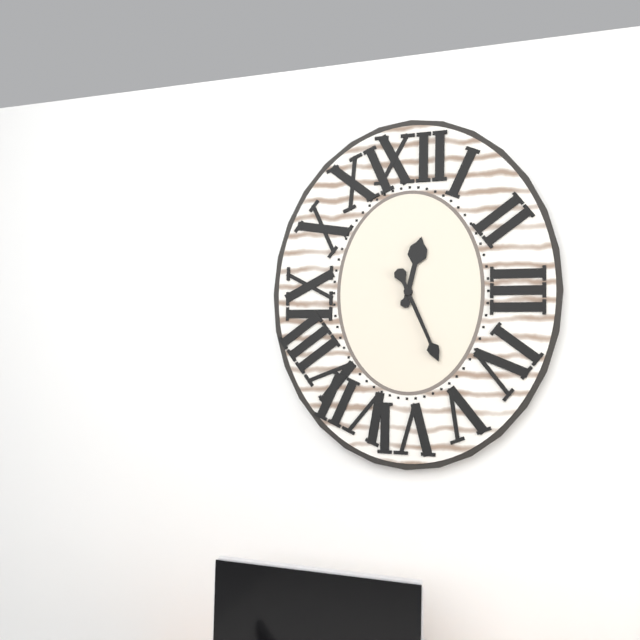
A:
12.26
